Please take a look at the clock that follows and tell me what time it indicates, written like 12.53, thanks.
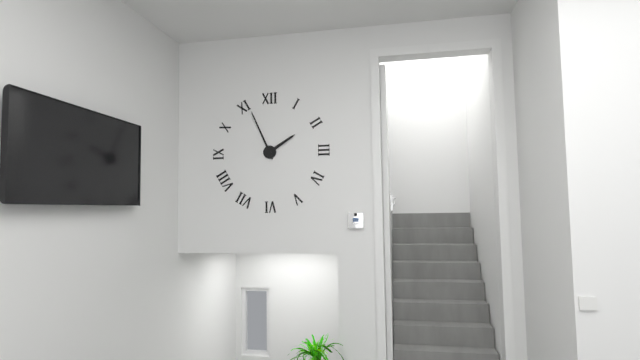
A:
1.56
